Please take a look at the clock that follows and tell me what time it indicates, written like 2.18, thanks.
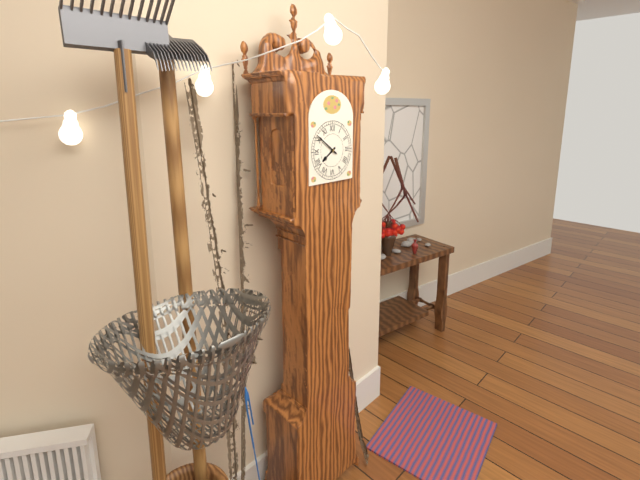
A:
7.51
